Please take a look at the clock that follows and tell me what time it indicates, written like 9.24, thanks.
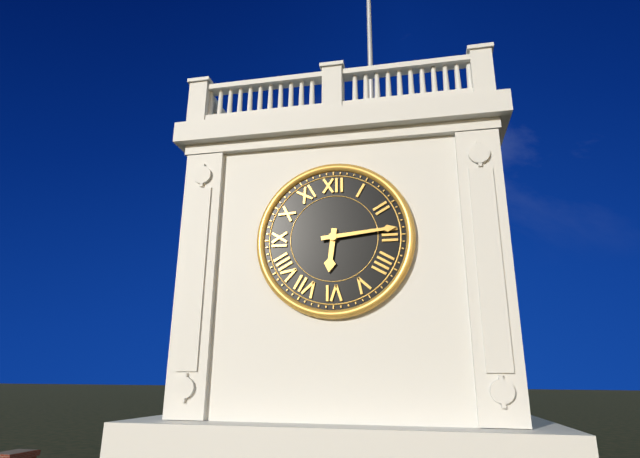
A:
6.14
